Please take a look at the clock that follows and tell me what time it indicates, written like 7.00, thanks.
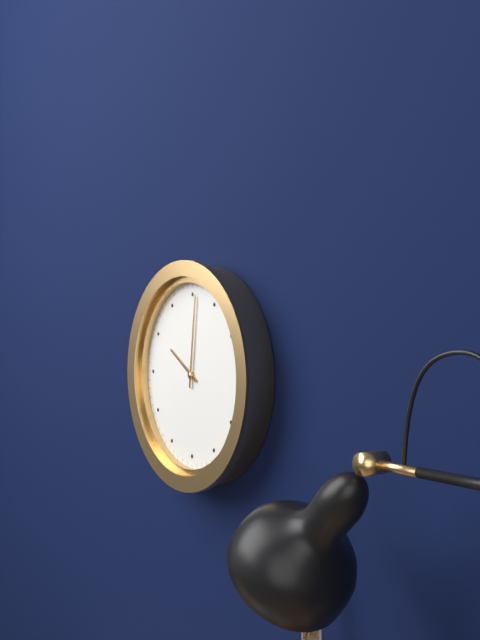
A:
10.01
